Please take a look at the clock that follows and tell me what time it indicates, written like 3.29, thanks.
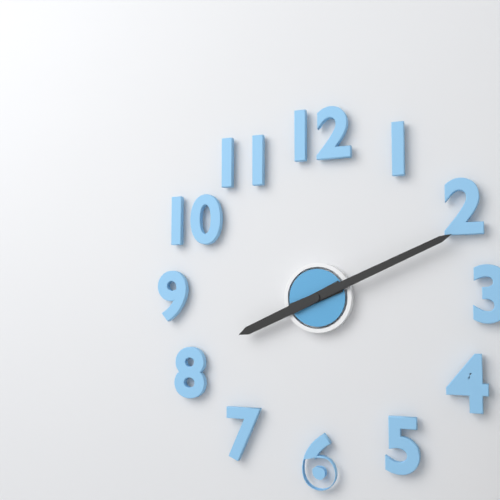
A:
8.11
